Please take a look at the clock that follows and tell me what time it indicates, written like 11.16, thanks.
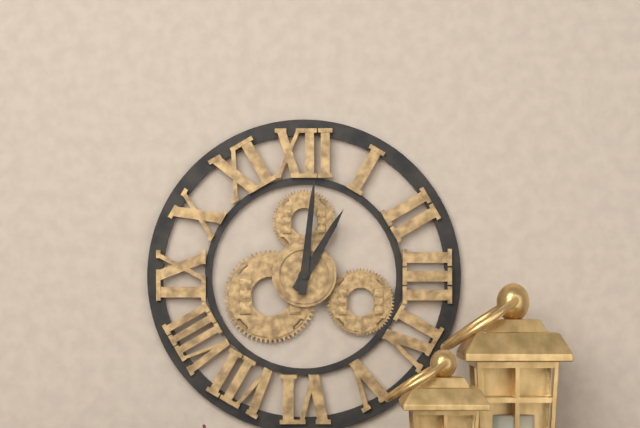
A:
1.01
